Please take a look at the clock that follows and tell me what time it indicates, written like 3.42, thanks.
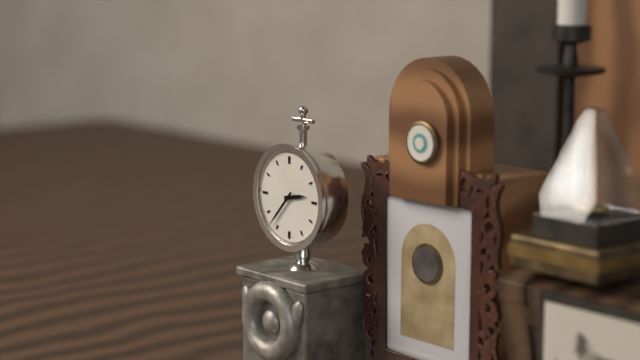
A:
2.37
